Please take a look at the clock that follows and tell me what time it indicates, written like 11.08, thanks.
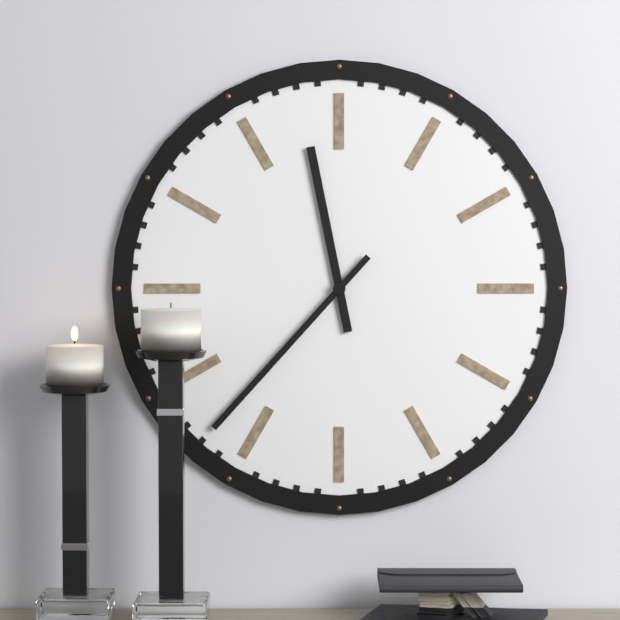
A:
11.37
